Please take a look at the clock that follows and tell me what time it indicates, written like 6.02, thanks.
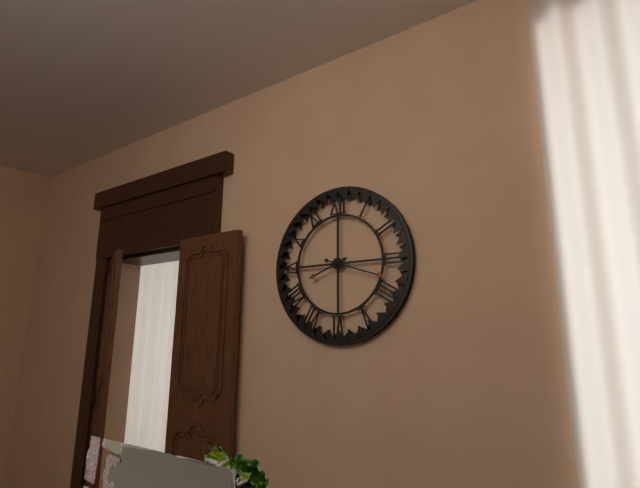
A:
8.18
